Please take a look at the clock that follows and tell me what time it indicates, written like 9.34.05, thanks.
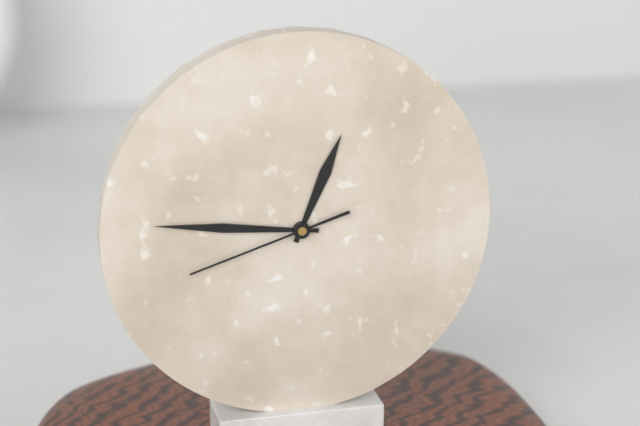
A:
12.46.42
